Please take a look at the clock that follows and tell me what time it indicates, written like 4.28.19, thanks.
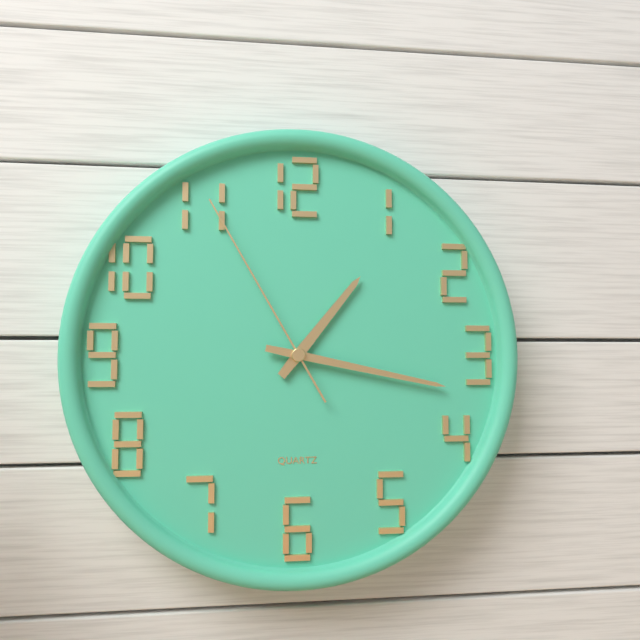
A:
1.17.55
